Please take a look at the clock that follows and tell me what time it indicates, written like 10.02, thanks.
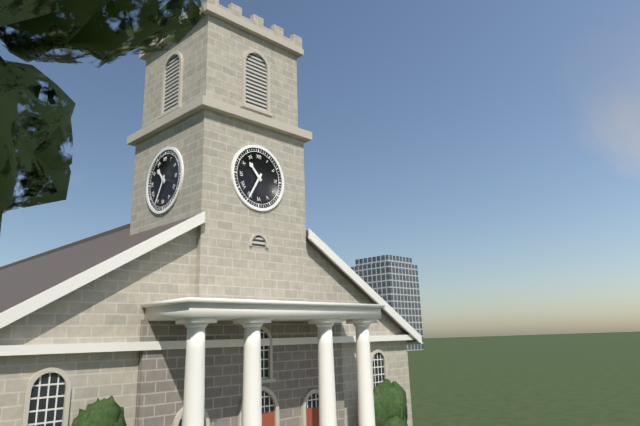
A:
10.35
